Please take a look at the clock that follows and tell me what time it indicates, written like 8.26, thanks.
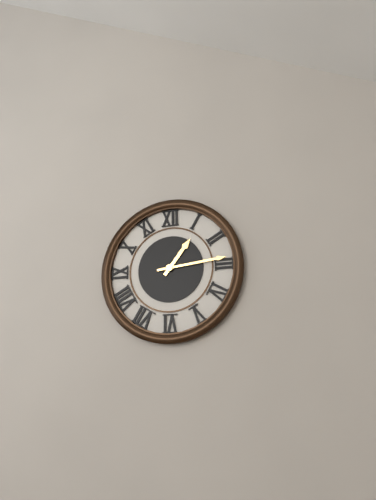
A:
1.14
